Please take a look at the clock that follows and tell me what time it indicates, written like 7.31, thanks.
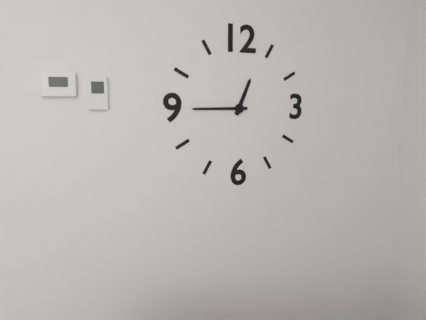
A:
12.45
